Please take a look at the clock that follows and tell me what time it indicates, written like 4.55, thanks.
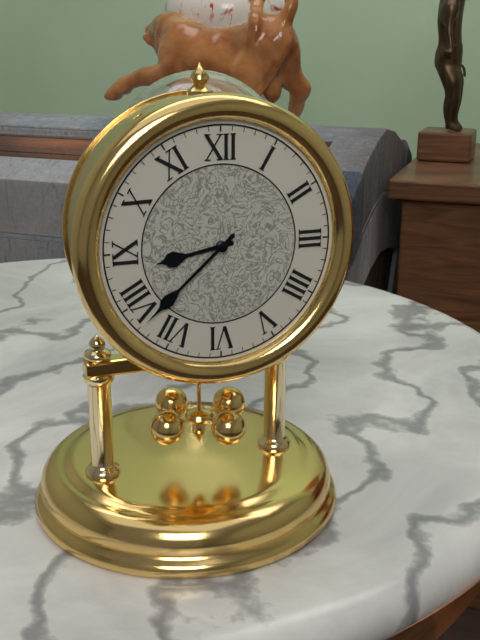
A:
8.38
